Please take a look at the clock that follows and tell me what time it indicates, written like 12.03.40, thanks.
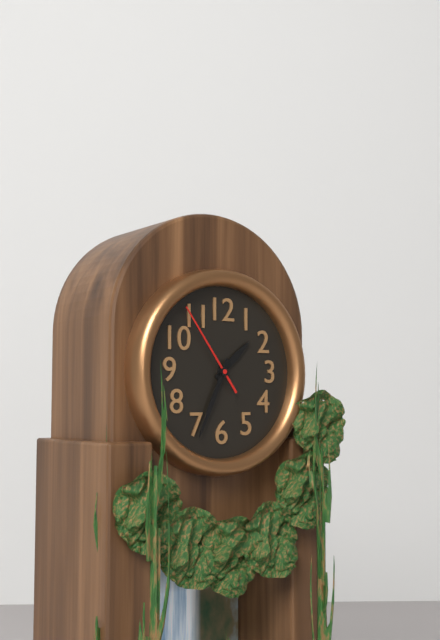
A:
1.34.54
